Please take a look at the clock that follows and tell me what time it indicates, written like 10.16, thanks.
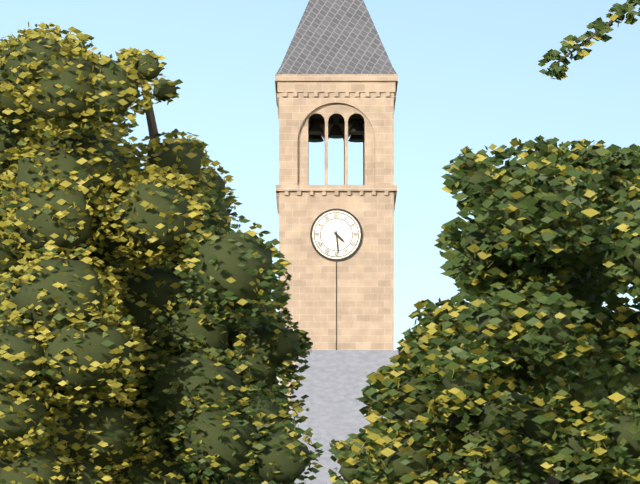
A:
4.29
